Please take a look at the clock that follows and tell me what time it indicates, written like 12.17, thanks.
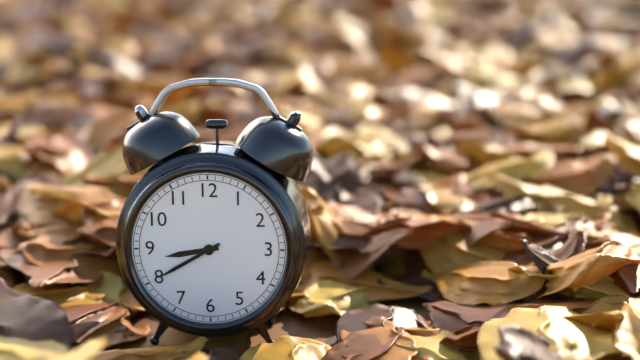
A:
8.40
